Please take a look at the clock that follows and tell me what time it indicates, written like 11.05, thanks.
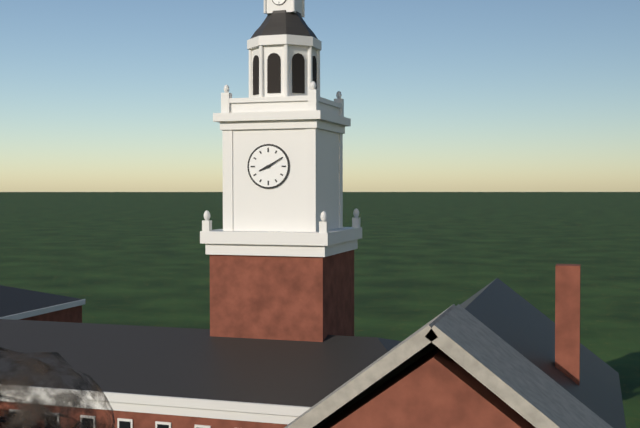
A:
8.10
